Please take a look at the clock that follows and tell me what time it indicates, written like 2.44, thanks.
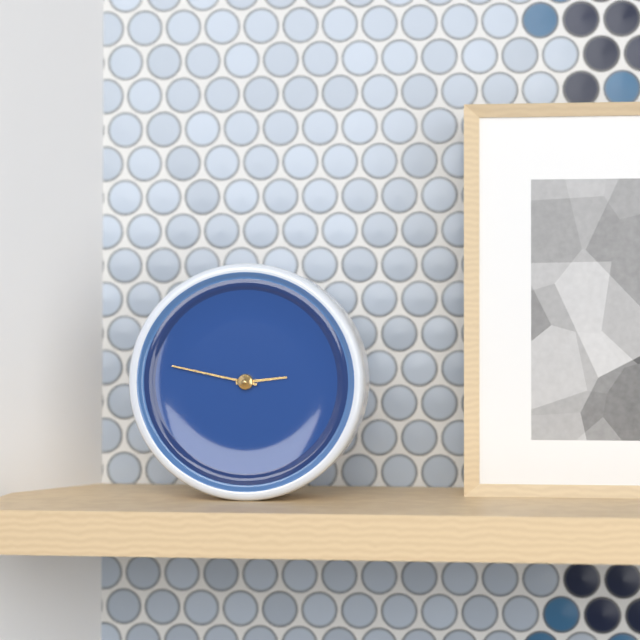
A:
2.47
